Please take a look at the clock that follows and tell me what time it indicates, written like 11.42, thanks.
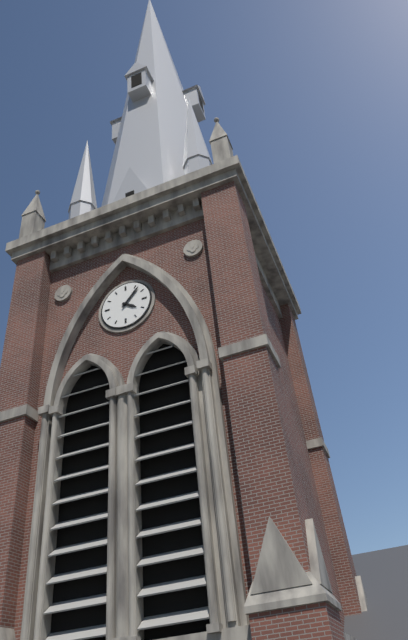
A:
4.07
